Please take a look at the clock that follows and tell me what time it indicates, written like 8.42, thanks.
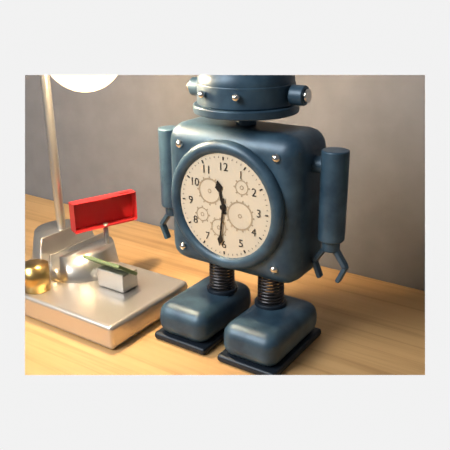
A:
11.31
